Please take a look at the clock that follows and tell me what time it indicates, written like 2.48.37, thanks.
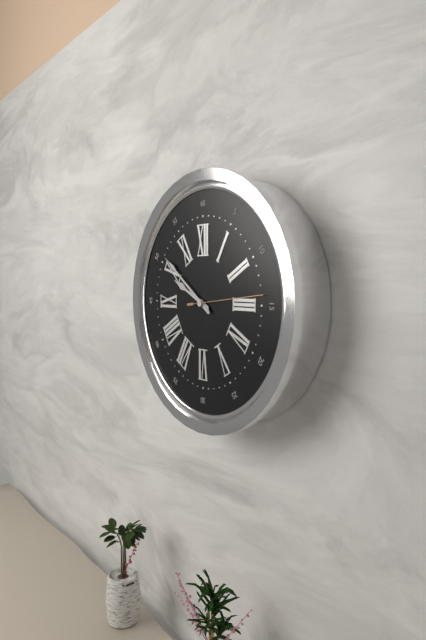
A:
9.51.14
